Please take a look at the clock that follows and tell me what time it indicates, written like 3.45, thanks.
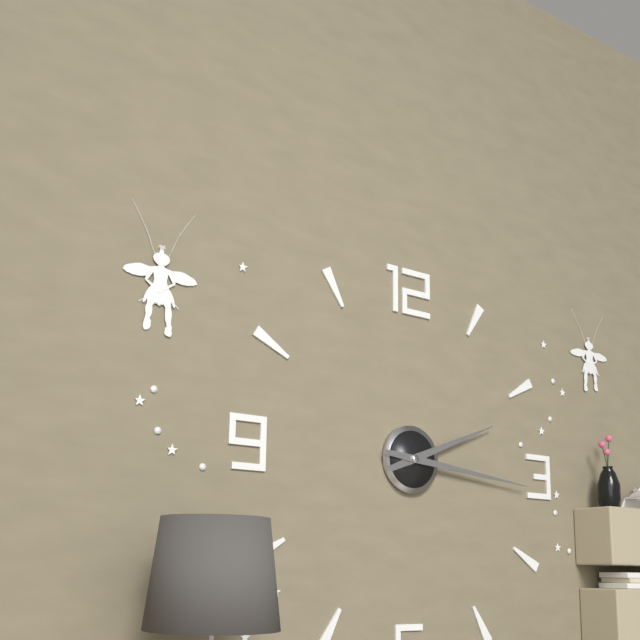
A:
2.16
